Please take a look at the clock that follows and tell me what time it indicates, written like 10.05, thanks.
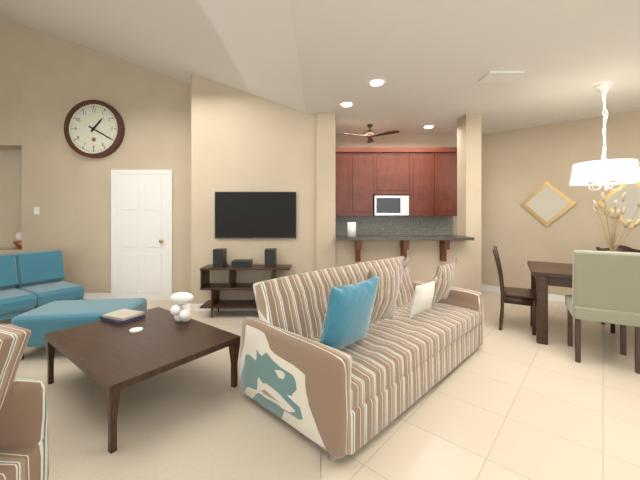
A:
1.20
